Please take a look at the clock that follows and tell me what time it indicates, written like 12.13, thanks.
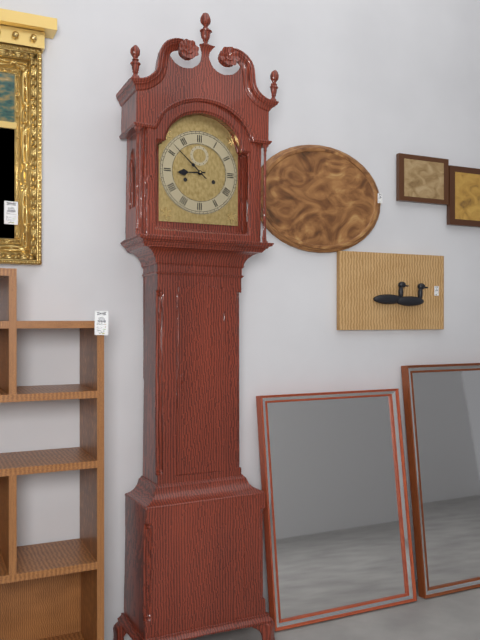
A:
8.52
